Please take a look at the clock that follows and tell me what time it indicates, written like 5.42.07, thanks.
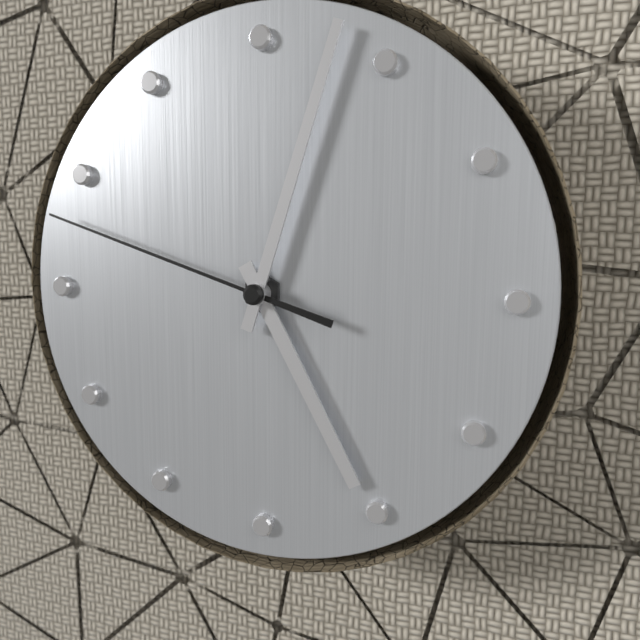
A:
5.03.48
